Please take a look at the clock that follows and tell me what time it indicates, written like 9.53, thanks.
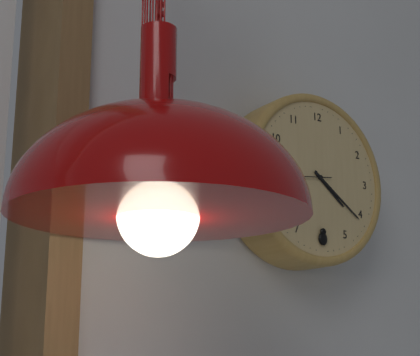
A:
4.21
